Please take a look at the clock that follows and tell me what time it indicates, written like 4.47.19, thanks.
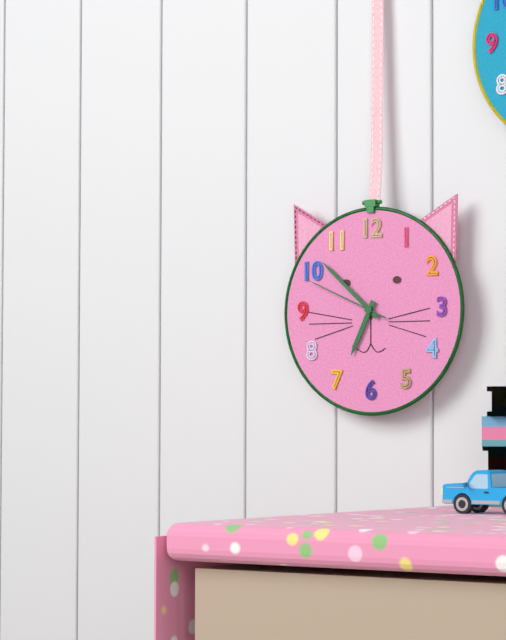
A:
6.52.49
